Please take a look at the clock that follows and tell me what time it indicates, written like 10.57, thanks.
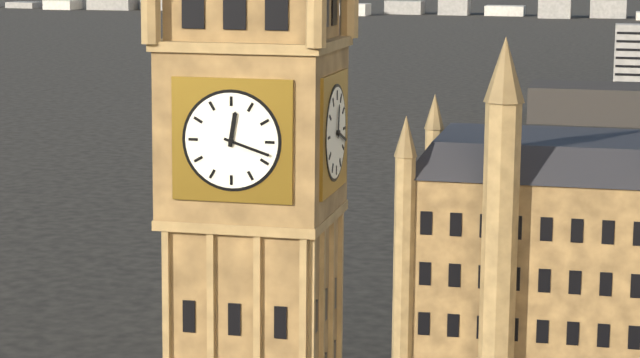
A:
12.18
